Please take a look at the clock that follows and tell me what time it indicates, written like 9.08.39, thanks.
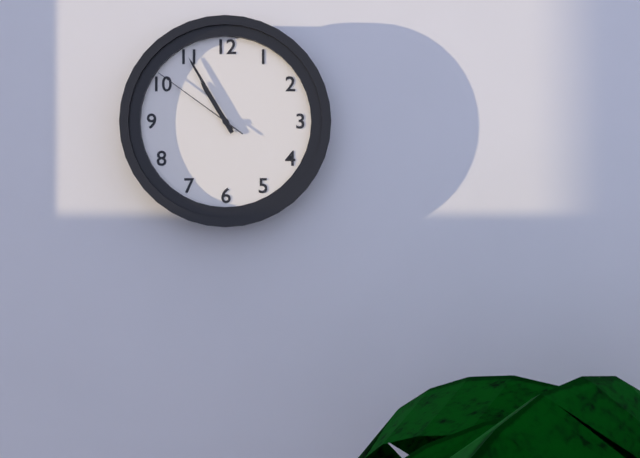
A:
10.55.51
